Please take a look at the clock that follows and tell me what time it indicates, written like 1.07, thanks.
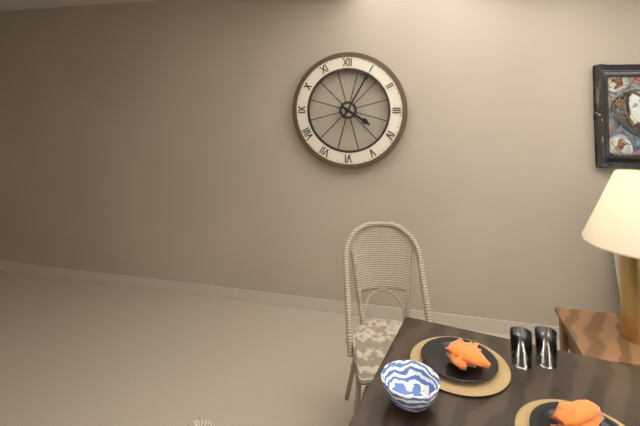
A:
4.05
